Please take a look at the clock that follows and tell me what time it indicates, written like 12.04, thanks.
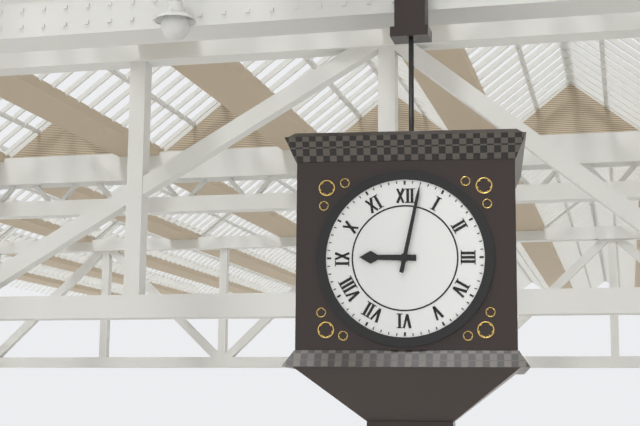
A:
9.02
